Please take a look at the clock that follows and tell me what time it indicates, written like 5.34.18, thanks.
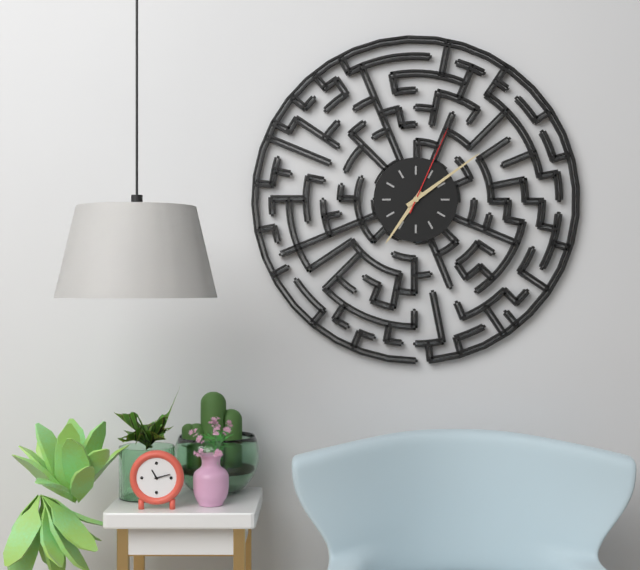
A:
7.09.04
